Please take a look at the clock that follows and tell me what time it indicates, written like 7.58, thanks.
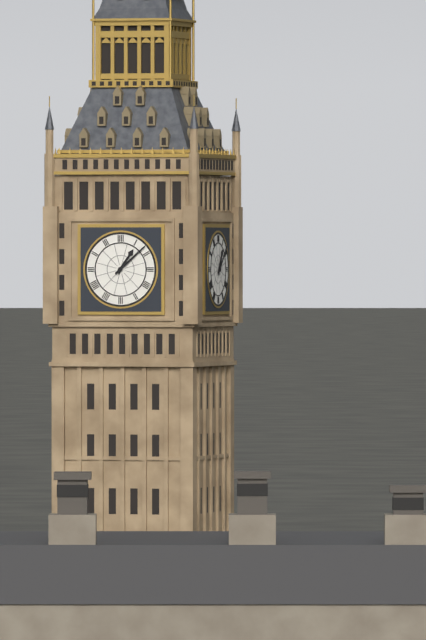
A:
1.08
